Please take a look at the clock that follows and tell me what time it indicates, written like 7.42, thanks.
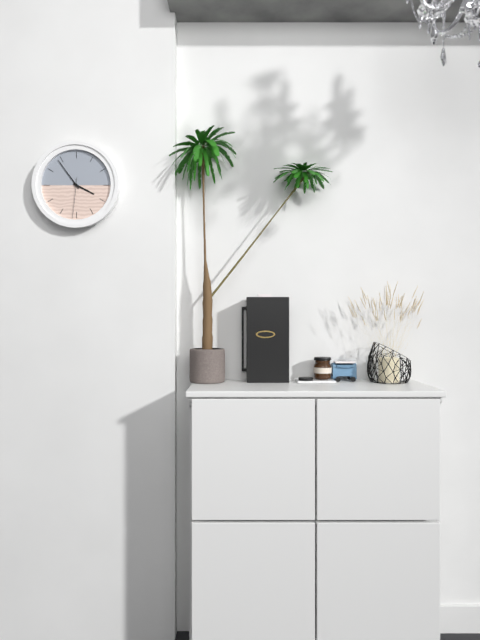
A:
3.54
